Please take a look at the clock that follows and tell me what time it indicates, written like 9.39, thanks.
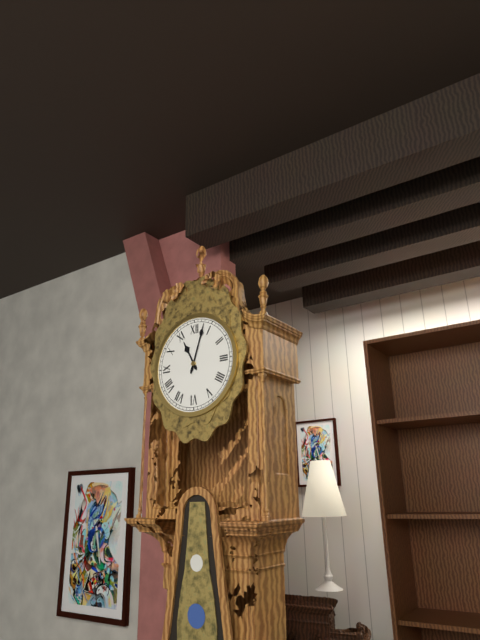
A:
11.03
